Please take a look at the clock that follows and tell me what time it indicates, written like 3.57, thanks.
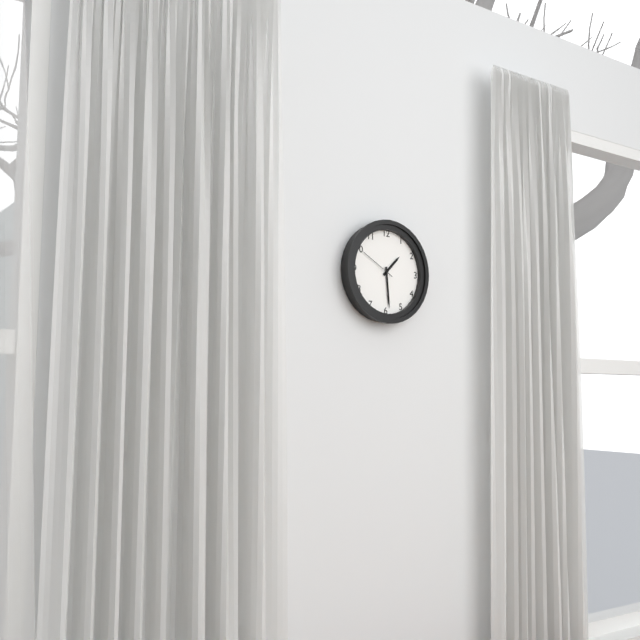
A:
1.29
